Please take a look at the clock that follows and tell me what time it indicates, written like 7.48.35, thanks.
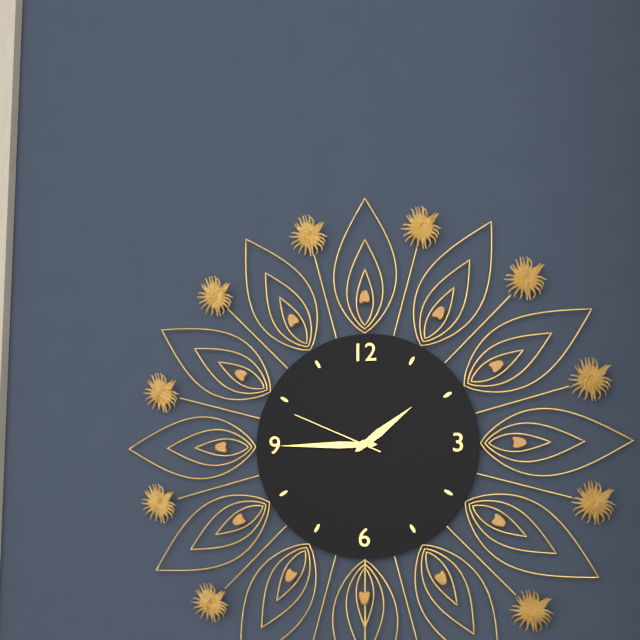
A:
1.45.49
